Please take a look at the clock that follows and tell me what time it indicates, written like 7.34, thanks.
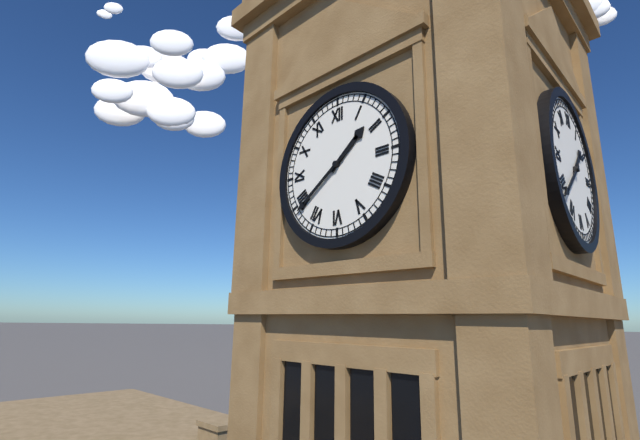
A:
1.39
